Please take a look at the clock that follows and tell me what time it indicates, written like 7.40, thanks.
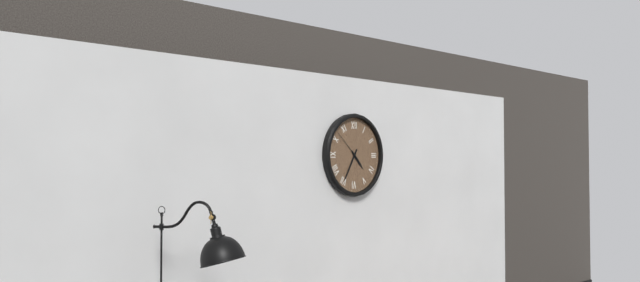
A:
4.35
